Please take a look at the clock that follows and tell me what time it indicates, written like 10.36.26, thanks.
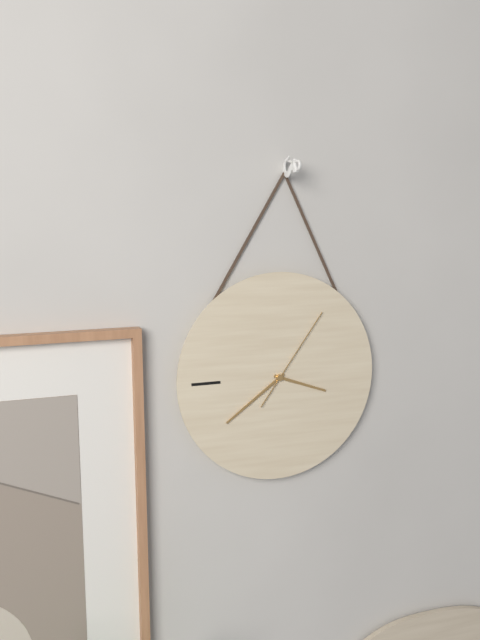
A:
3.39.06
